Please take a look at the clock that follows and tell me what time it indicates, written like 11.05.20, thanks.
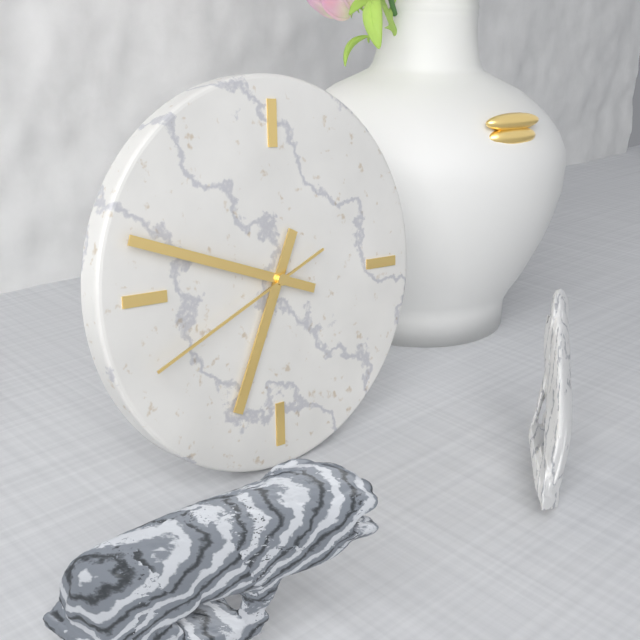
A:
6.48.41
